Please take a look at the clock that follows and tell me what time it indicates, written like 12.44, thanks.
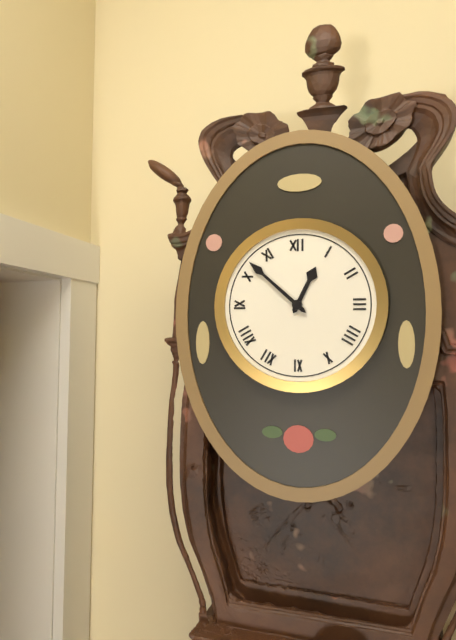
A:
12.52
